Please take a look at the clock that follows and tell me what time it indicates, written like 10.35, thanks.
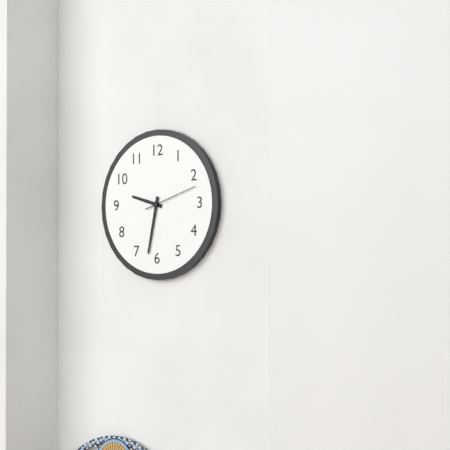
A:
9.32
